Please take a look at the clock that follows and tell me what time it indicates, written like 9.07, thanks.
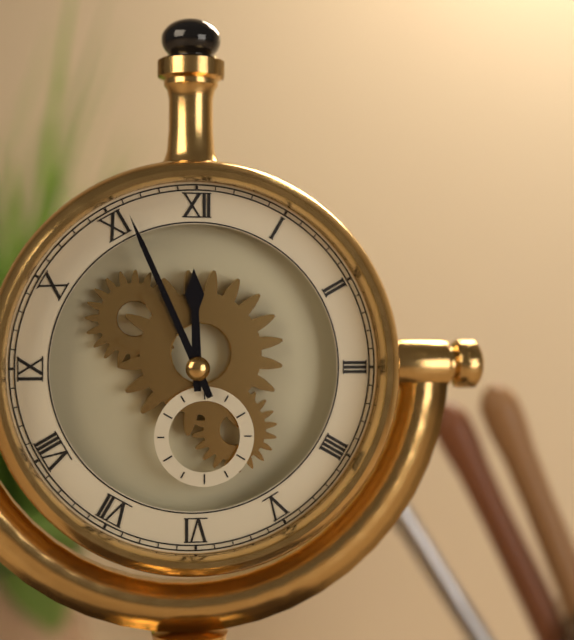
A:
11.56
